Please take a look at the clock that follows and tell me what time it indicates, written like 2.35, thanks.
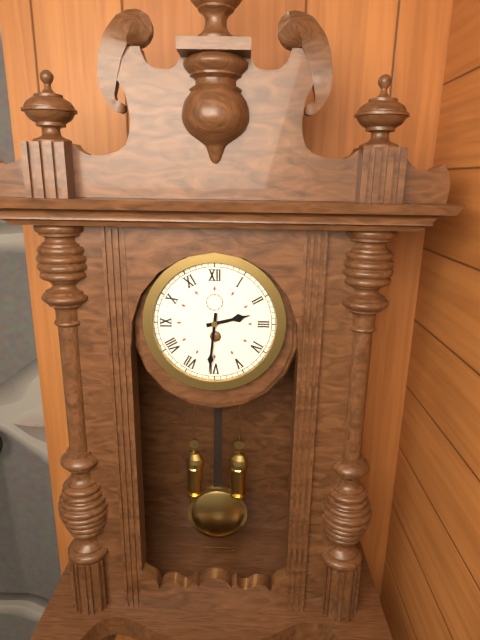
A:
2.31
